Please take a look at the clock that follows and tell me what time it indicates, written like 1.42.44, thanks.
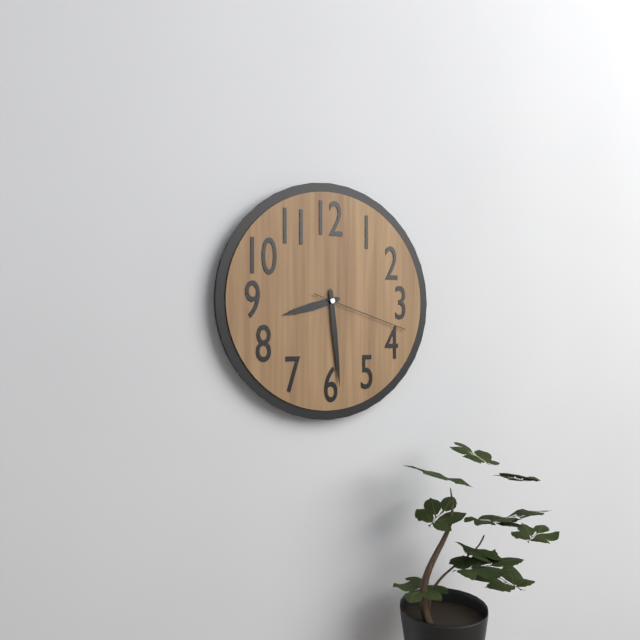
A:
8.29.18
